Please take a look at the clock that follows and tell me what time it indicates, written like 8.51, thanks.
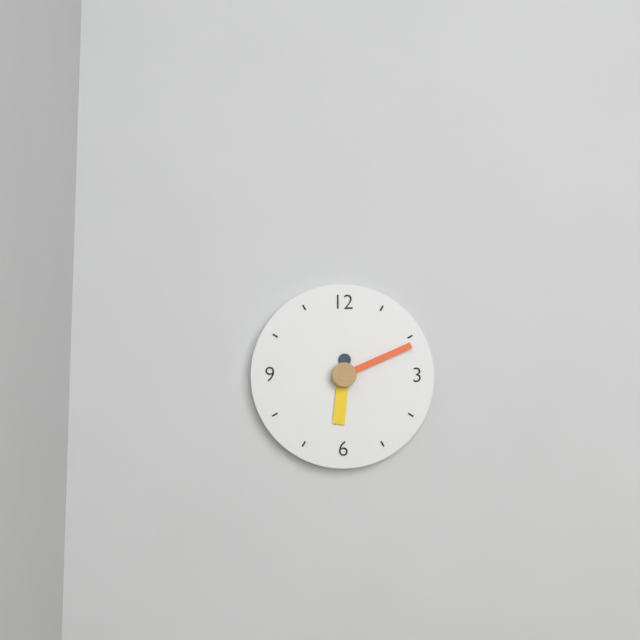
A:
6.11
